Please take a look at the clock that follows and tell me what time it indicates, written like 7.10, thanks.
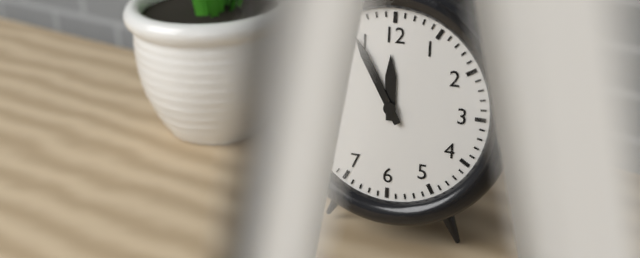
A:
11.55
